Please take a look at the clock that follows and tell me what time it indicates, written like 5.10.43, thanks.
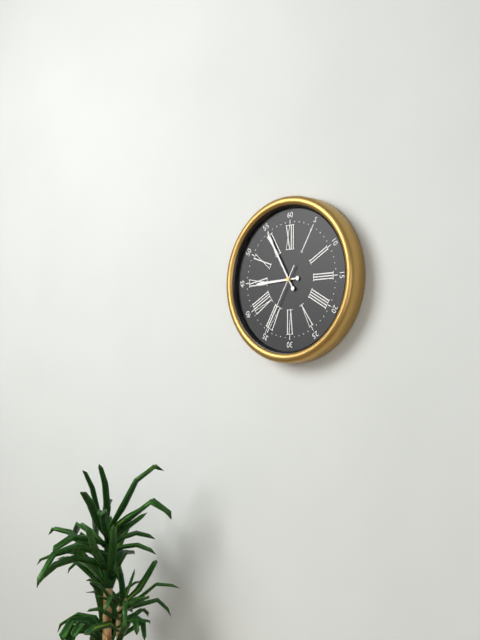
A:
8.55.35
